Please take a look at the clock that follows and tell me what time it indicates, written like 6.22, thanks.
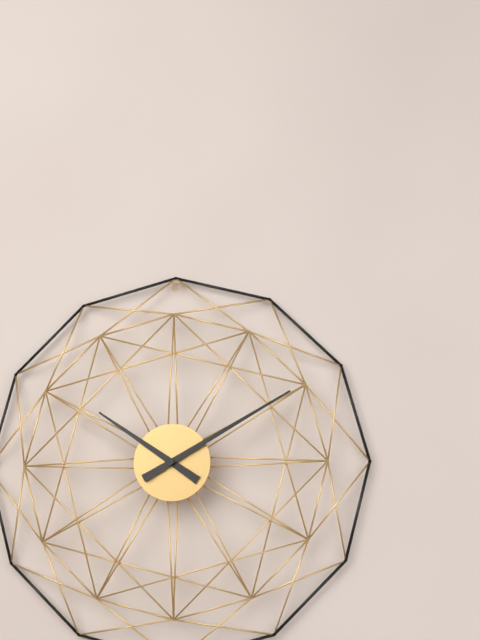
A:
10.10
